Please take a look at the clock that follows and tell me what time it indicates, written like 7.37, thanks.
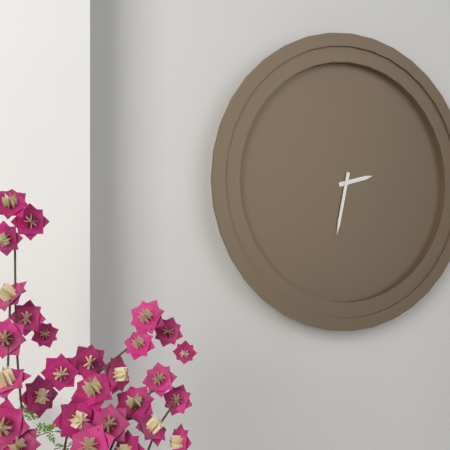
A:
2.32
